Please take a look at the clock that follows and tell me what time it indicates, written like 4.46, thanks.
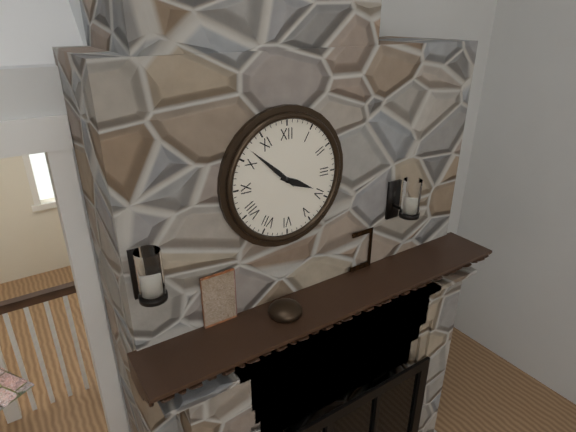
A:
3.52
